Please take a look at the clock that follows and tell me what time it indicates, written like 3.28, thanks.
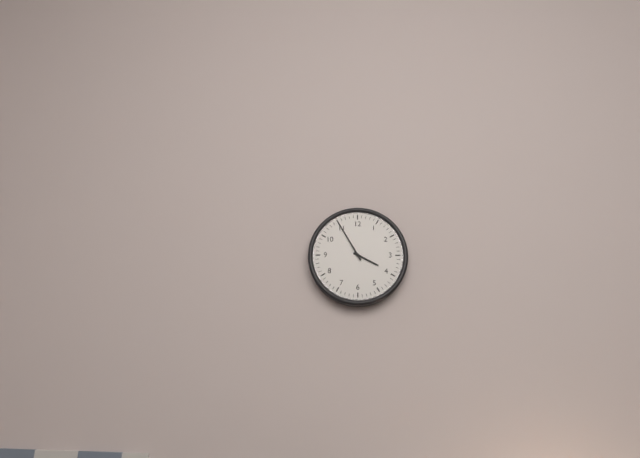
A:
3.55
